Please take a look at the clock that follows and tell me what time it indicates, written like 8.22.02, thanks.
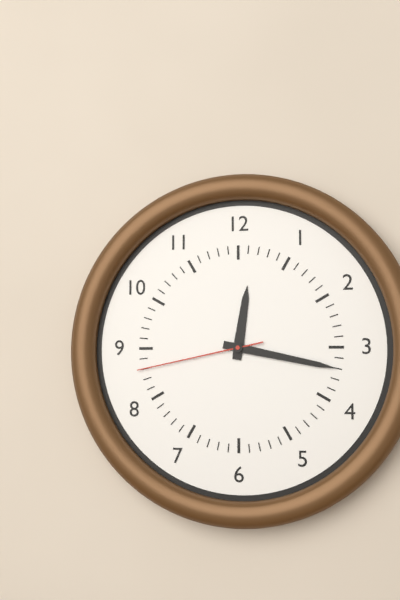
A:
12.17.43
